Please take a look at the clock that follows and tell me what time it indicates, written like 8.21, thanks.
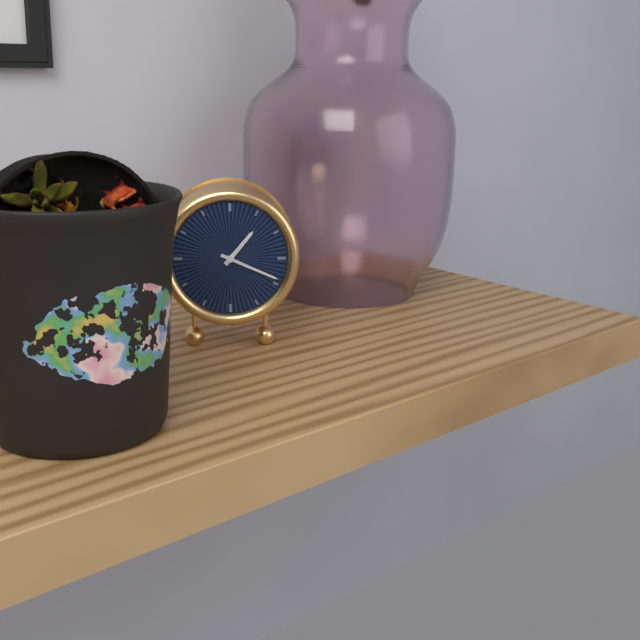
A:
1.19
